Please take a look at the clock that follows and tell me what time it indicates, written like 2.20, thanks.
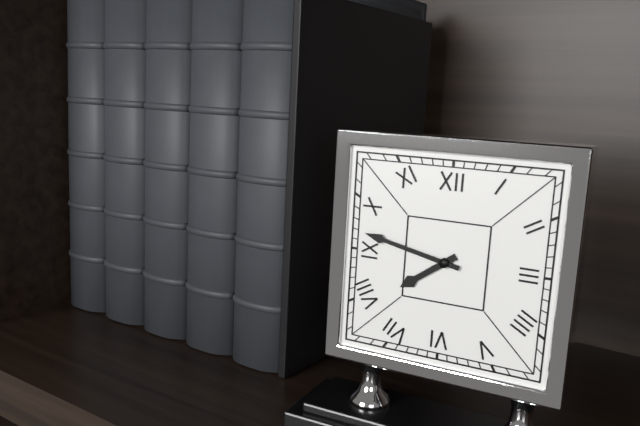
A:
7.47
